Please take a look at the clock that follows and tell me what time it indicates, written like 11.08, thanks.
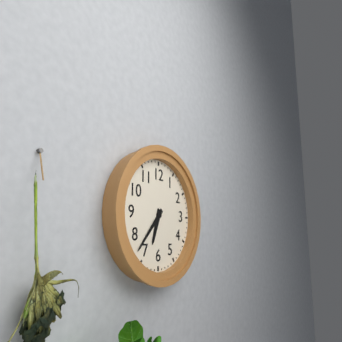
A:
6.37
